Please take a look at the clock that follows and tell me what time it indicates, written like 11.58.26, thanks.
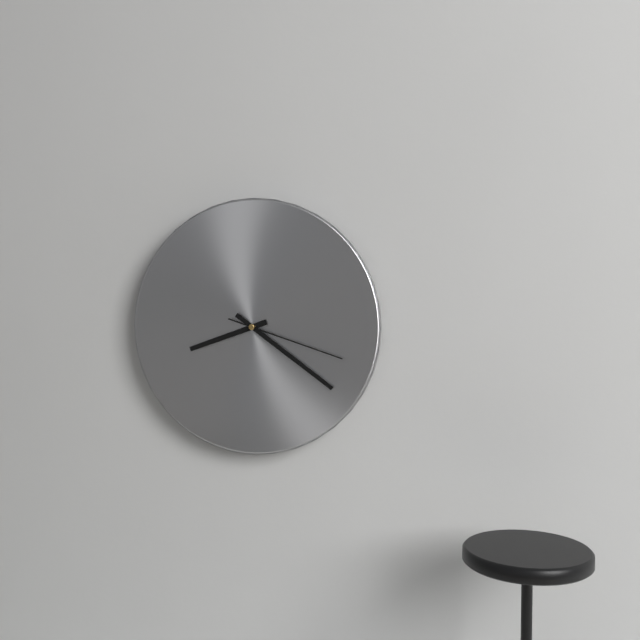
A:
8.21.18
